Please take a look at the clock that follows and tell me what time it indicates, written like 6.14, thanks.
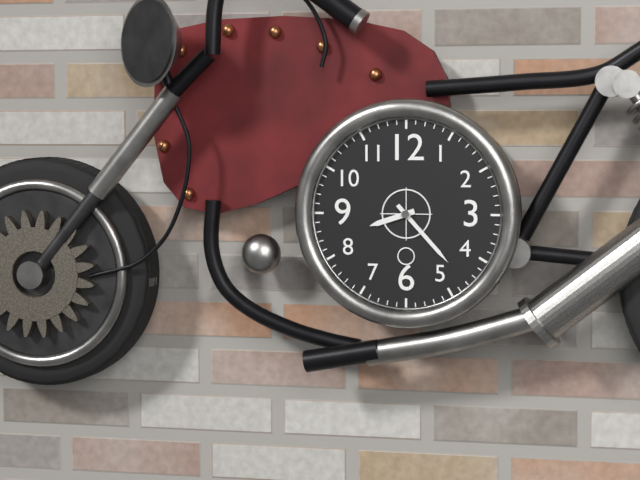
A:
8.23
